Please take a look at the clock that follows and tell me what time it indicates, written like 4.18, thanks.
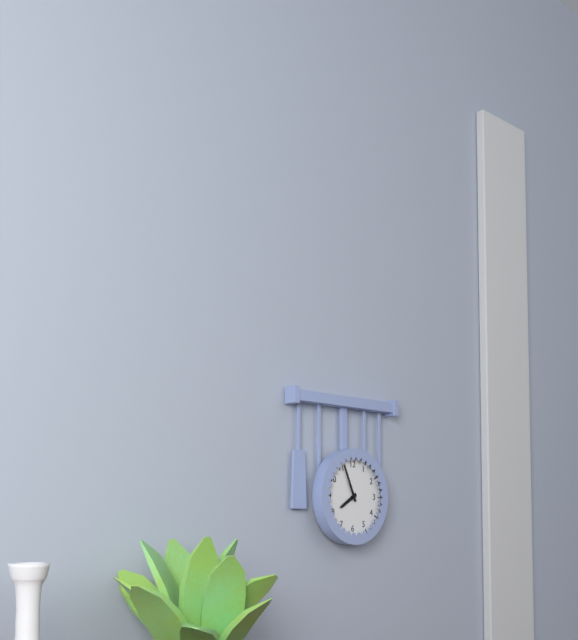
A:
7.56
